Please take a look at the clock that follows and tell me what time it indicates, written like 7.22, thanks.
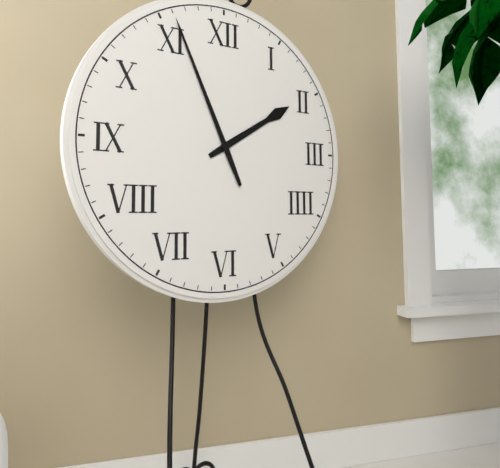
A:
1.56
